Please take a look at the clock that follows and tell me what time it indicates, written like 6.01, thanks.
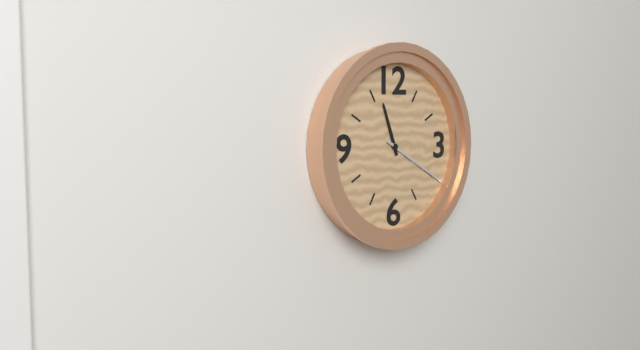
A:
11.20
